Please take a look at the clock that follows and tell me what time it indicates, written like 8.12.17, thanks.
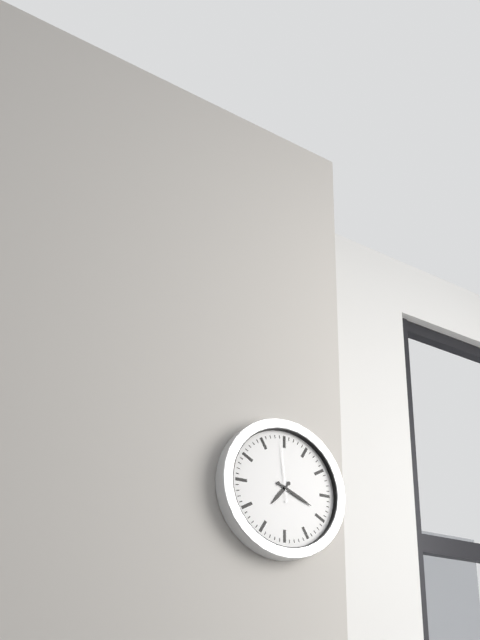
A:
7.19.59
